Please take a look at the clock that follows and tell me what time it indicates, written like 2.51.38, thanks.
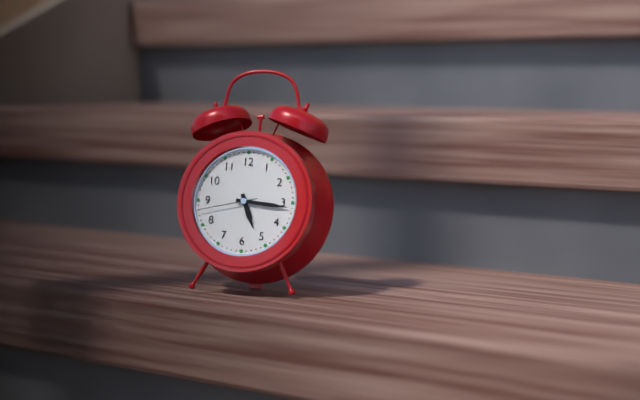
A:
5.16.43
